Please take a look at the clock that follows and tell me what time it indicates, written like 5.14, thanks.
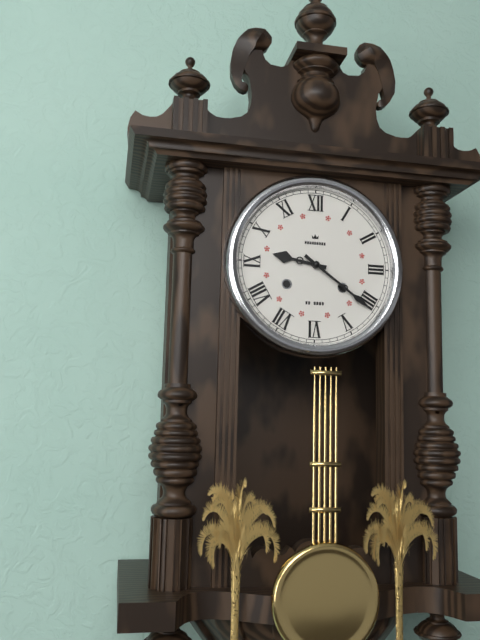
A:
9.21
